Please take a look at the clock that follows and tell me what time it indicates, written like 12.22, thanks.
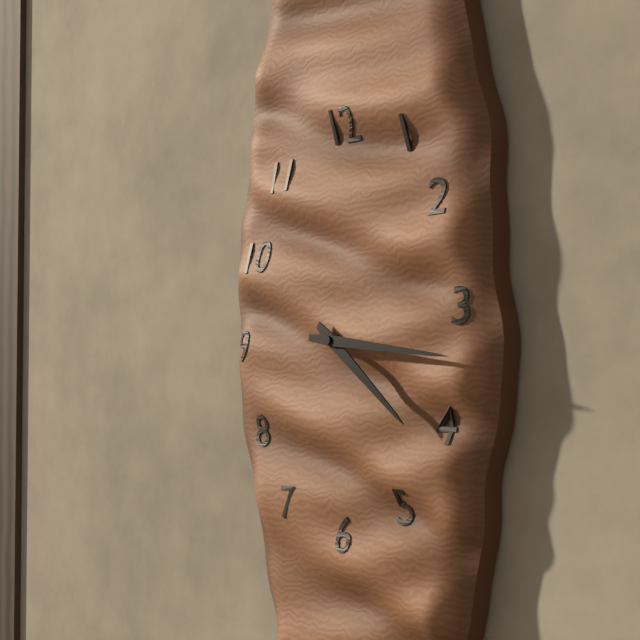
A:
4.16
